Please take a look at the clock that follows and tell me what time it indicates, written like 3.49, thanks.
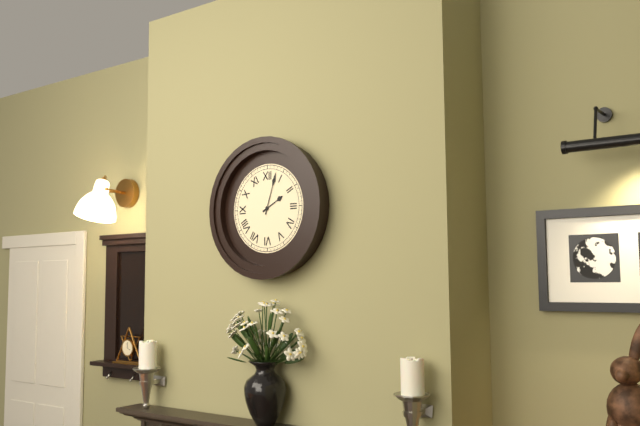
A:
2.03
